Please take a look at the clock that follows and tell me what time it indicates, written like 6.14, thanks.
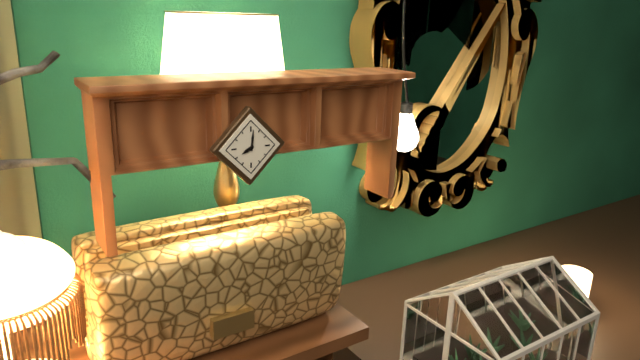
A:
8.01
